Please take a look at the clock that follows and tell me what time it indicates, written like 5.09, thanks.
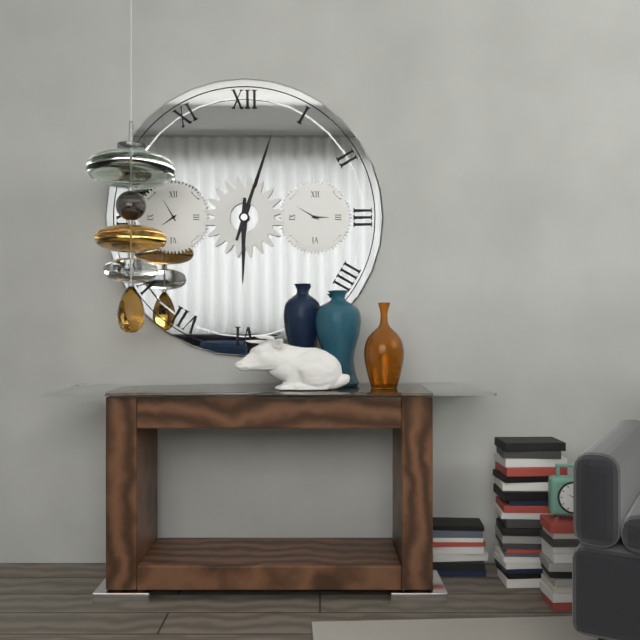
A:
6.03
